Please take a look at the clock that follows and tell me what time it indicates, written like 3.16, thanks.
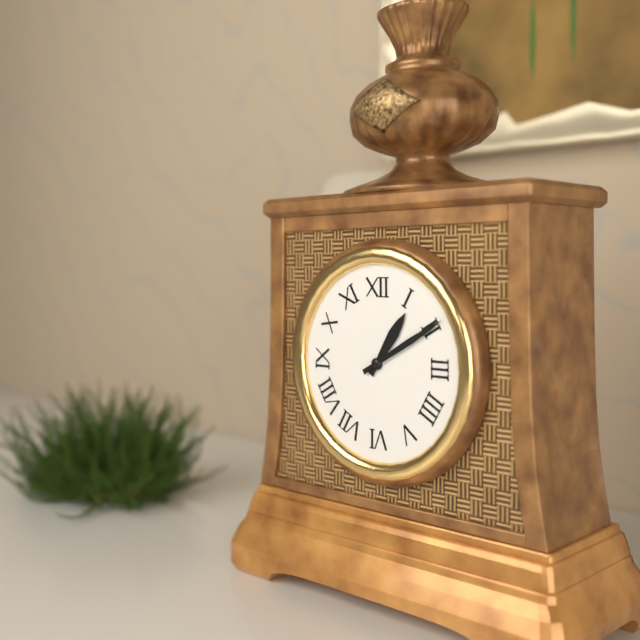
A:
1.10
